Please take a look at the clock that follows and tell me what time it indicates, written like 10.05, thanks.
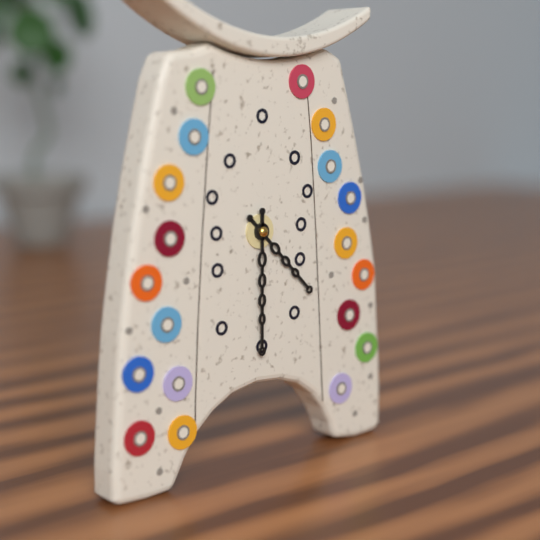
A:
4.30
